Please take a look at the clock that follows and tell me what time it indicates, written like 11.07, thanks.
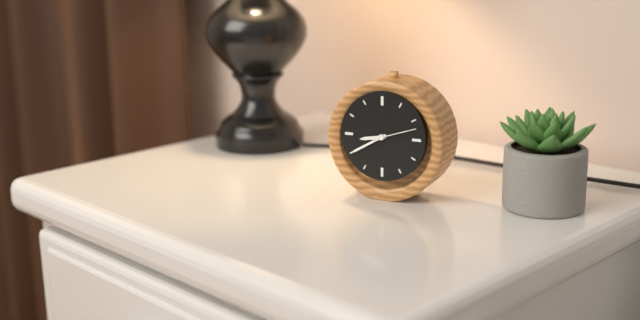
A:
8.40
